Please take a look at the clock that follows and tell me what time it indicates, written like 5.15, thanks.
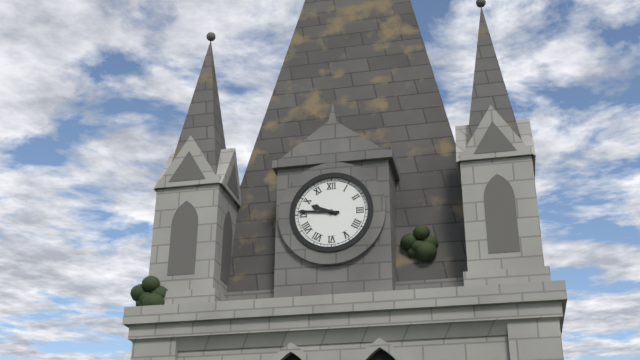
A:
9.46
